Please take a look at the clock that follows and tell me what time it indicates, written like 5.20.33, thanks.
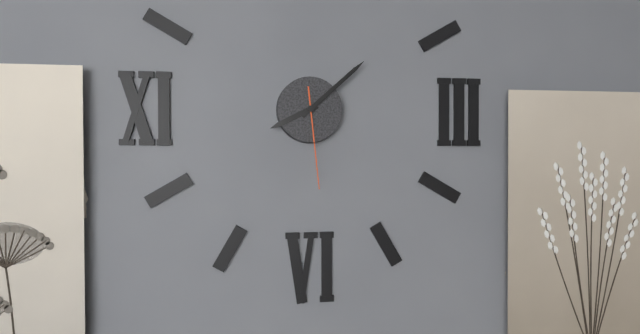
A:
8.08.29
